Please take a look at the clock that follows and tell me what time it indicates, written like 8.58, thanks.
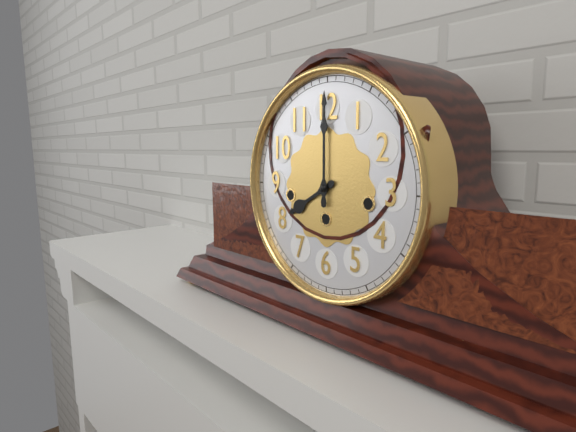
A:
8.00
